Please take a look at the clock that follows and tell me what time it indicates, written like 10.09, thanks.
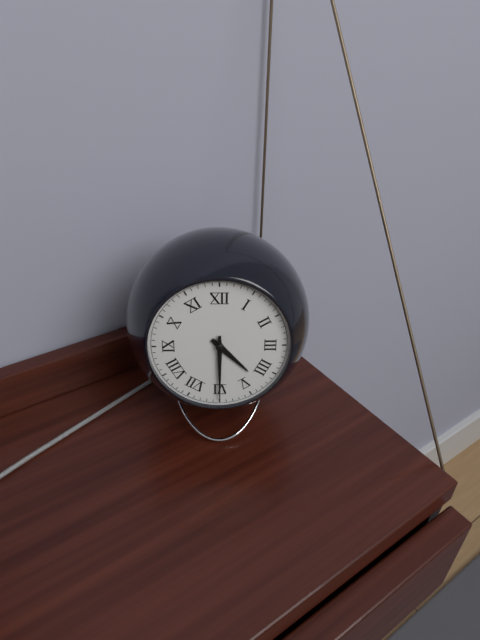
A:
4.30
